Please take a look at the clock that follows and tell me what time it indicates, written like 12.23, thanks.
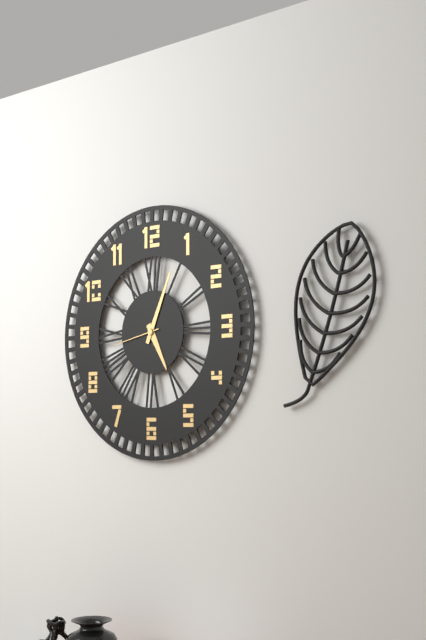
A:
5.04
